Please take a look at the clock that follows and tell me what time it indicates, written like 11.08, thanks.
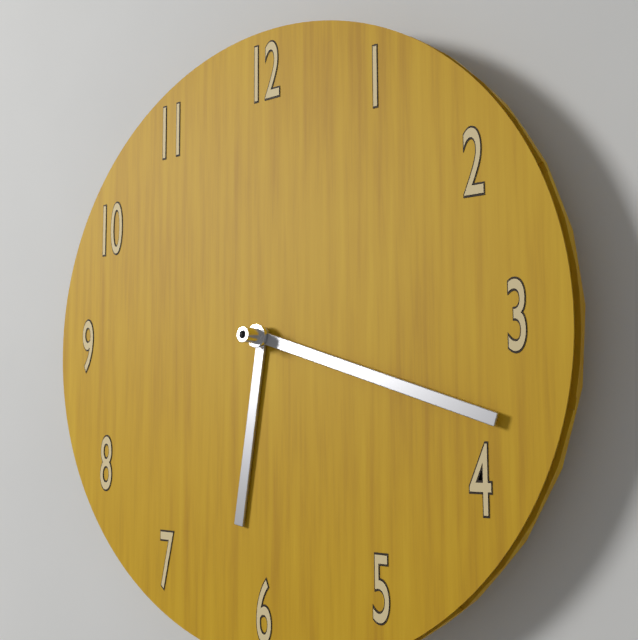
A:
6.18
